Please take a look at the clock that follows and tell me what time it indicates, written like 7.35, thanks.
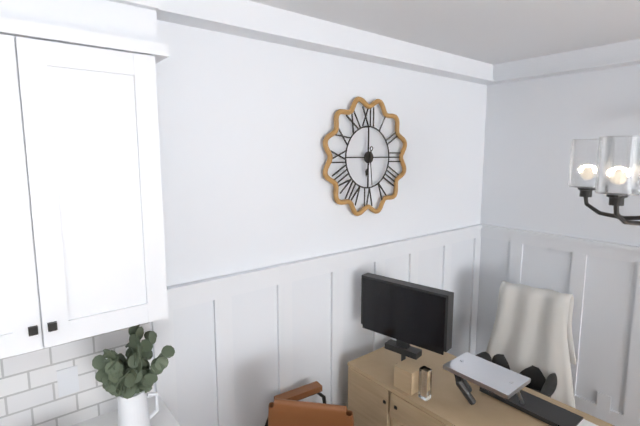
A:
6.29
